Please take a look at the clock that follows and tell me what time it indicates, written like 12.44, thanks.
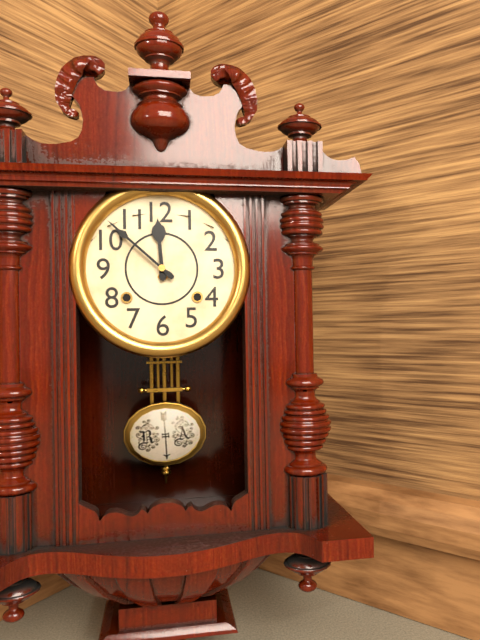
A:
11.52
